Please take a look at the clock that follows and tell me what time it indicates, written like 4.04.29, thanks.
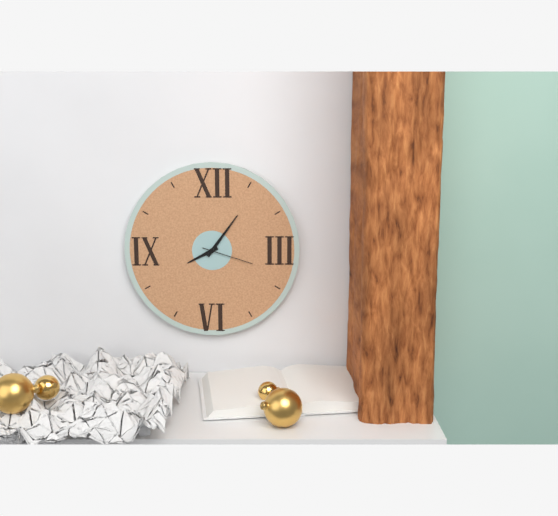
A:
8.06.18
